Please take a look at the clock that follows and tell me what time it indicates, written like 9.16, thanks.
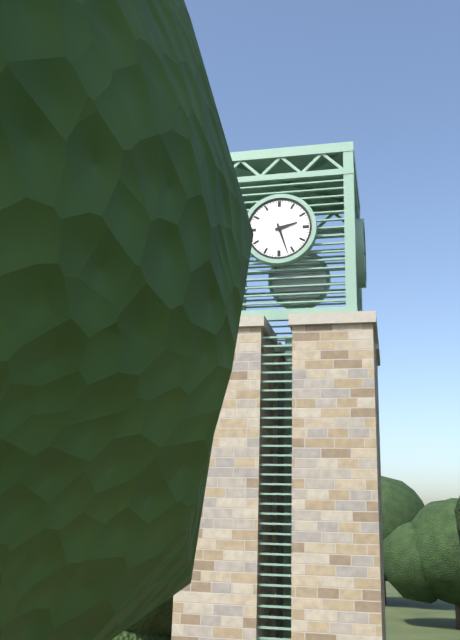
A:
2.27
